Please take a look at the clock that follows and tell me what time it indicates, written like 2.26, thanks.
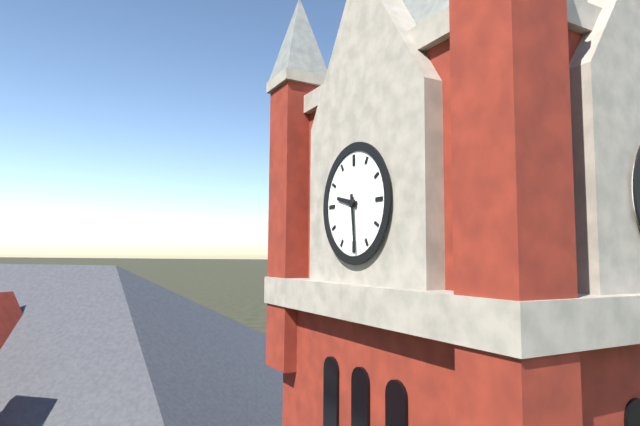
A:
9.29
